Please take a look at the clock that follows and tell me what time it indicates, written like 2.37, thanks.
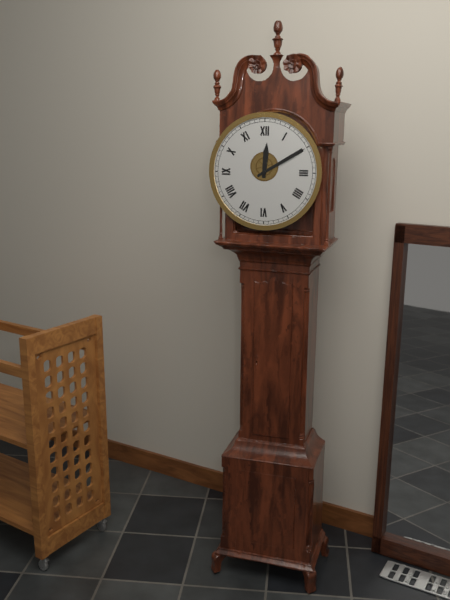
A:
12.10
